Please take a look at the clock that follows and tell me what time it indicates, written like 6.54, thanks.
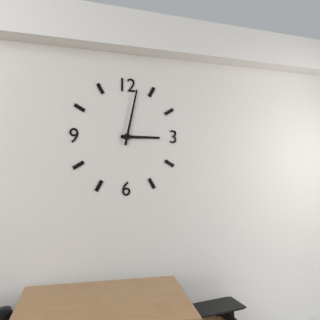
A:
3.02
